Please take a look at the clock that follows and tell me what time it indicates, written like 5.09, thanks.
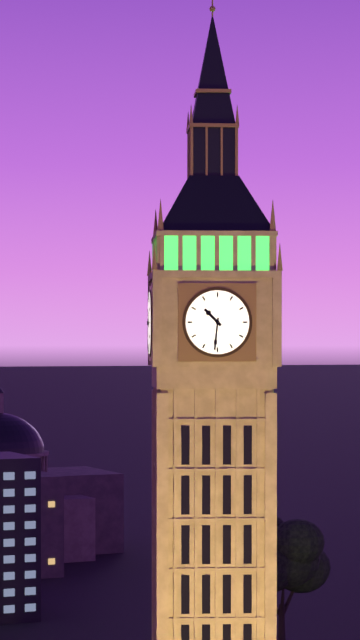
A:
10.31
